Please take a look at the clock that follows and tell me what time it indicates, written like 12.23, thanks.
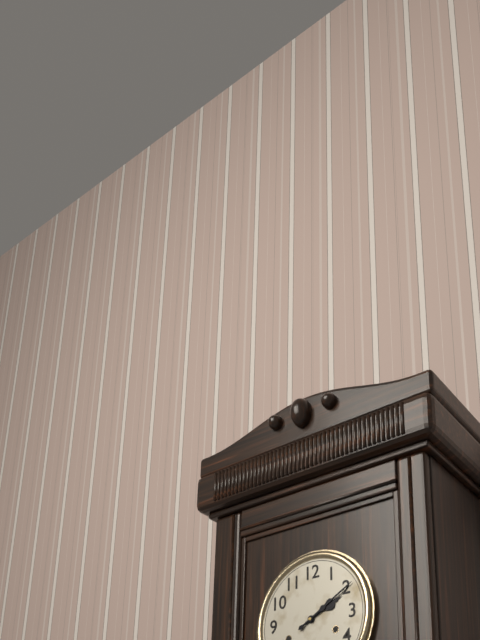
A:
2.10
